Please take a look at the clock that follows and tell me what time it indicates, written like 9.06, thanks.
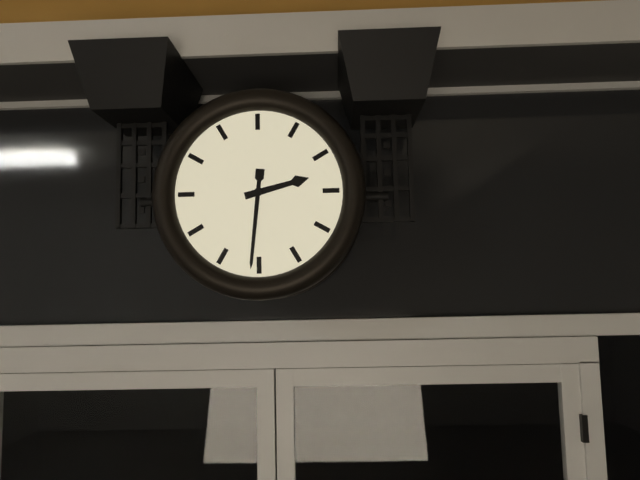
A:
2.31
